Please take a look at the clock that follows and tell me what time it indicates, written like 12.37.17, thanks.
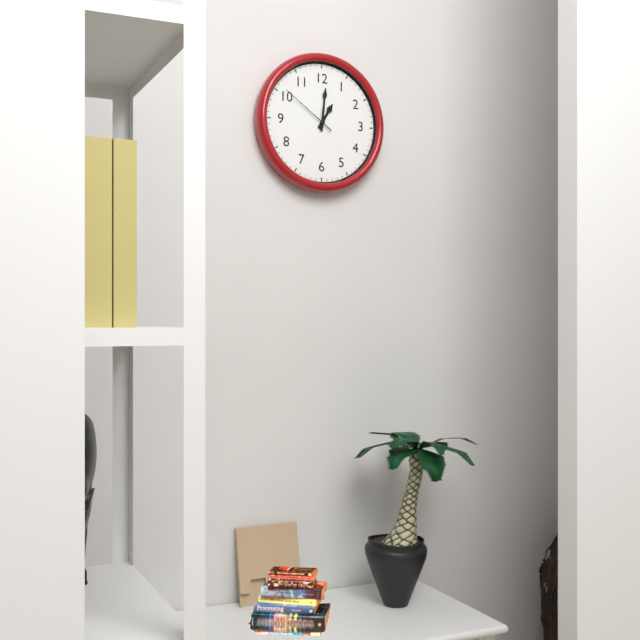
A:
1.01.51
